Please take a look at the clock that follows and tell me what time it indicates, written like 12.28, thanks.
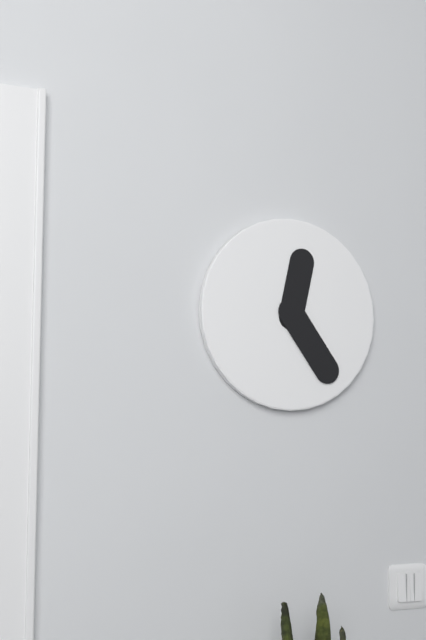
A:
12.24
